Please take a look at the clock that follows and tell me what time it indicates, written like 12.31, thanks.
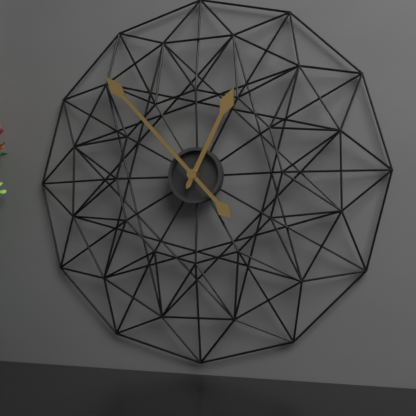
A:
12.53
